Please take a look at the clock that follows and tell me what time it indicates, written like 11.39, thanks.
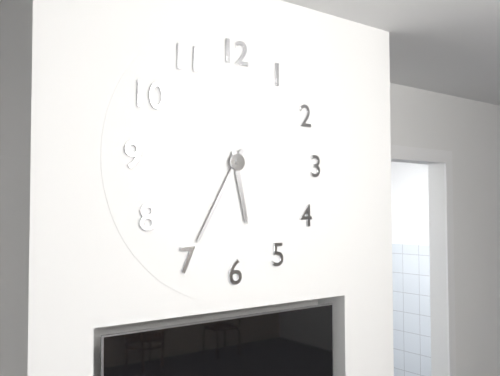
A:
5.35
